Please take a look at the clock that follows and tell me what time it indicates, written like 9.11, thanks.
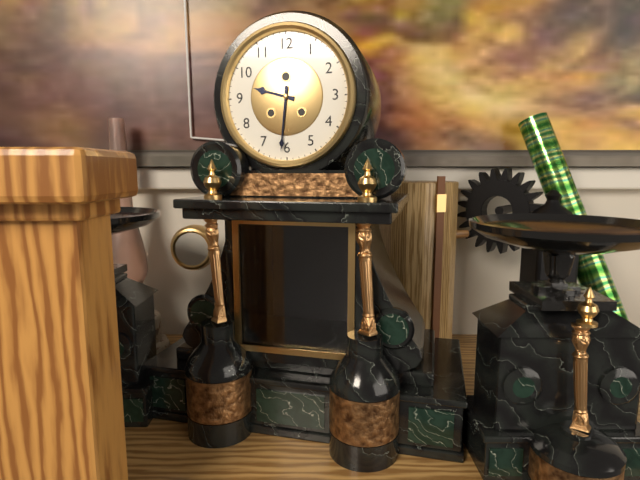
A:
9.31
